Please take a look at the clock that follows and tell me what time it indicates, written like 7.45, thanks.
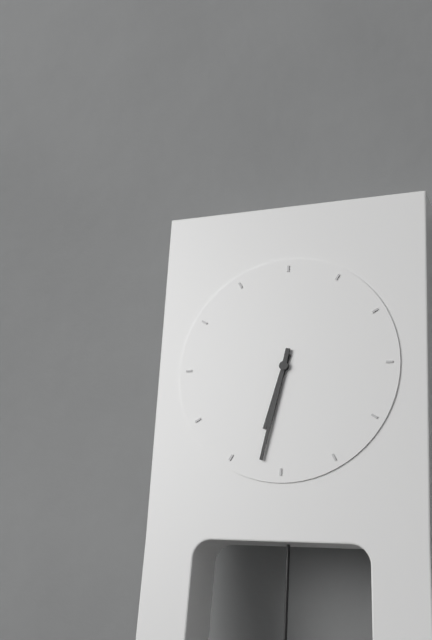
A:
6.32
